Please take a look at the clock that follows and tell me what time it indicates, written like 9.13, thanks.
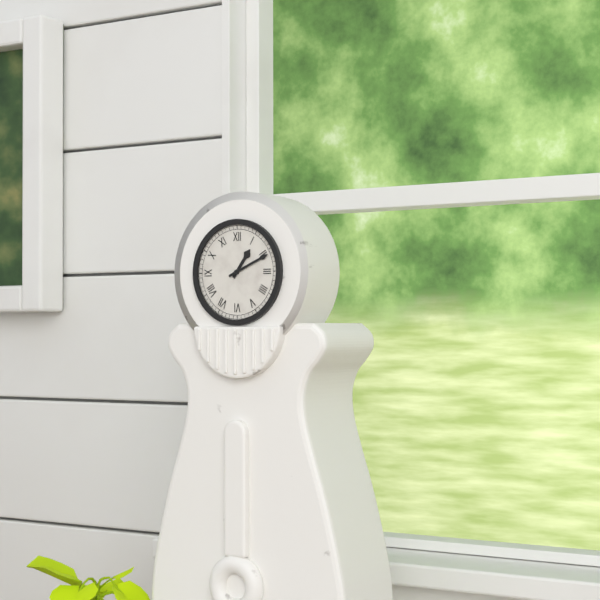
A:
1.11
